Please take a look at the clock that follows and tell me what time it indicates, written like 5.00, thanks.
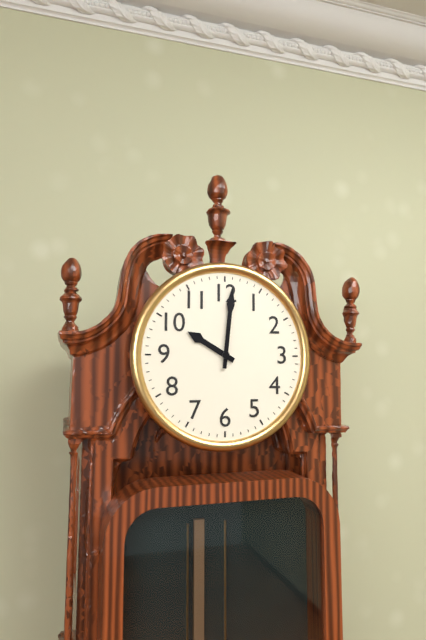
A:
10.01
